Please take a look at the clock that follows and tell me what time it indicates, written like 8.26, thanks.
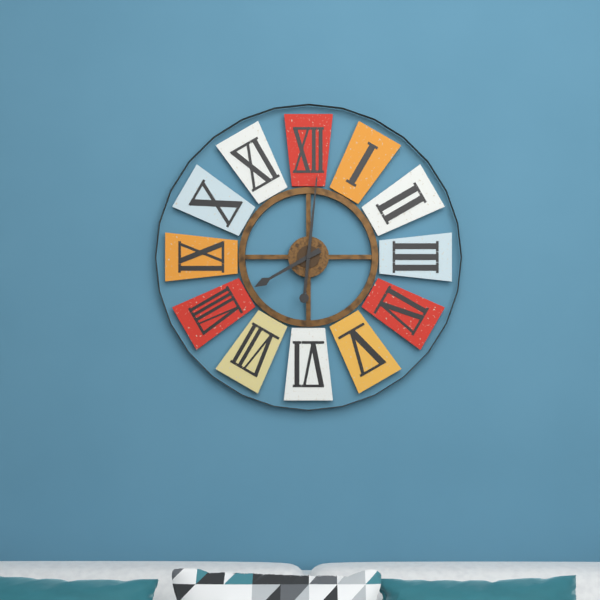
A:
8.01
